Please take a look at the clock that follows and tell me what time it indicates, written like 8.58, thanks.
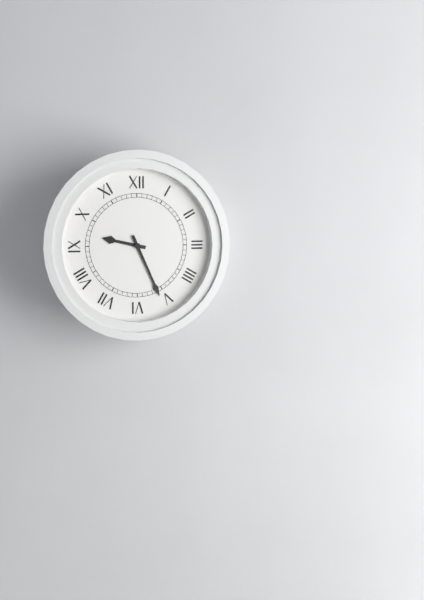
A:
9.26
